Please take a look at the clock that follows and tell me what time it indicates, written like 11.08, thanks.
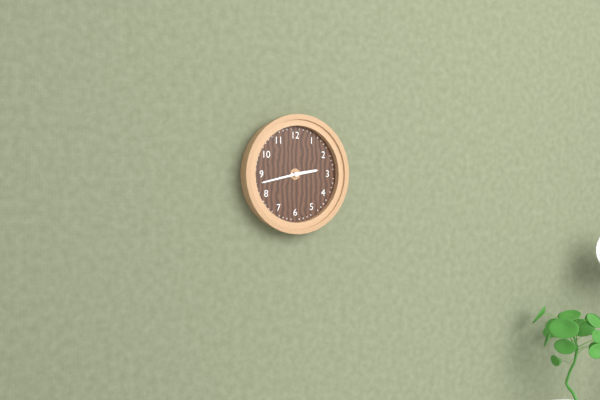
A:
2.43
